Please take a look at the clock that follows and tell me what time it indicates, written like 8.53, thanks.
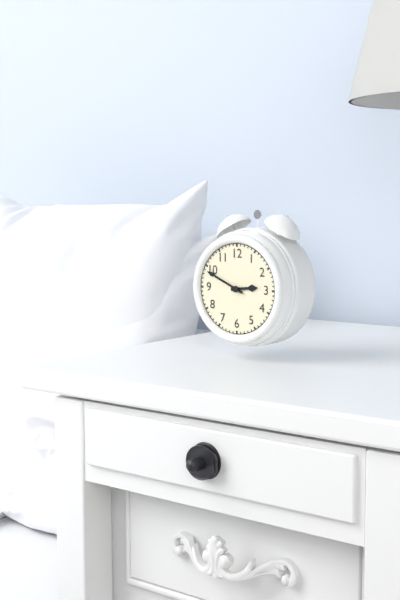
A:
2.49
